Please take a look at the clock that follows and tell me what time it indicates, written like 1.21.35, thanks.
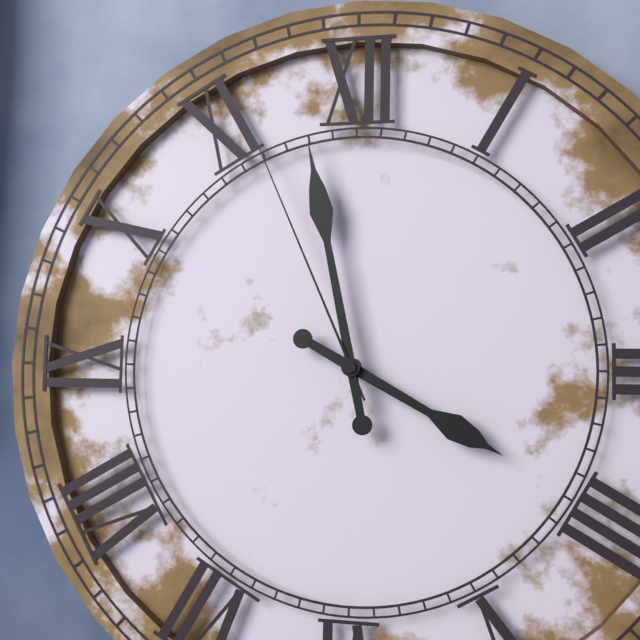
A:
3.58.56
